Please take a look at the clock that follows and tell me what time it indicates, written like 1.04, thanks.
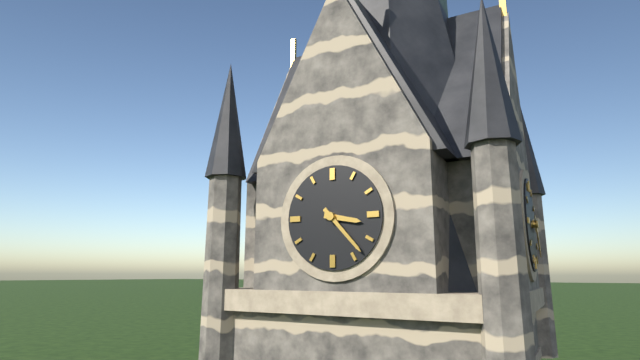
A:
3.23
